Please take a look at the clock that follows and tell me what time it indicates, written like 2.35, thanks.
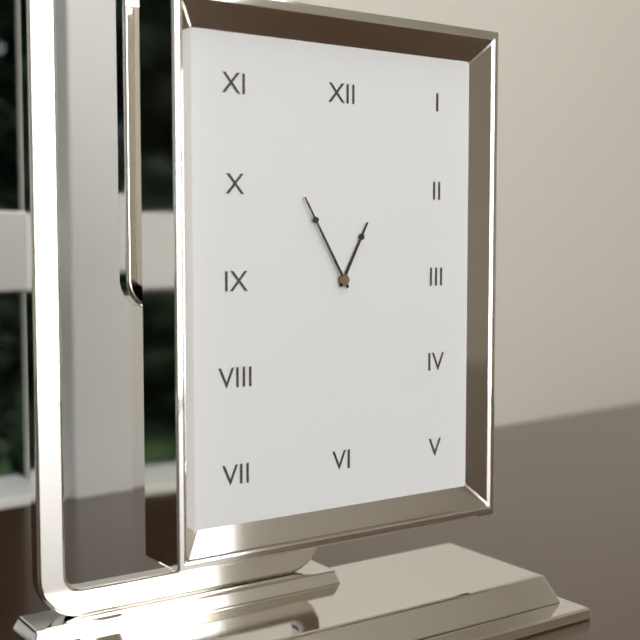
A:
12.55
